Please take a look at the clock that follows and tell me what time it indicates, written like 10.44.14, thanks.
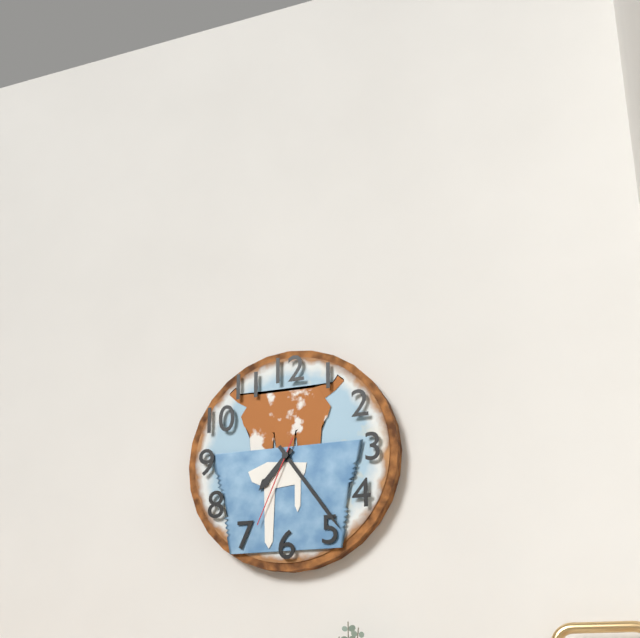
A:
7.24.34
